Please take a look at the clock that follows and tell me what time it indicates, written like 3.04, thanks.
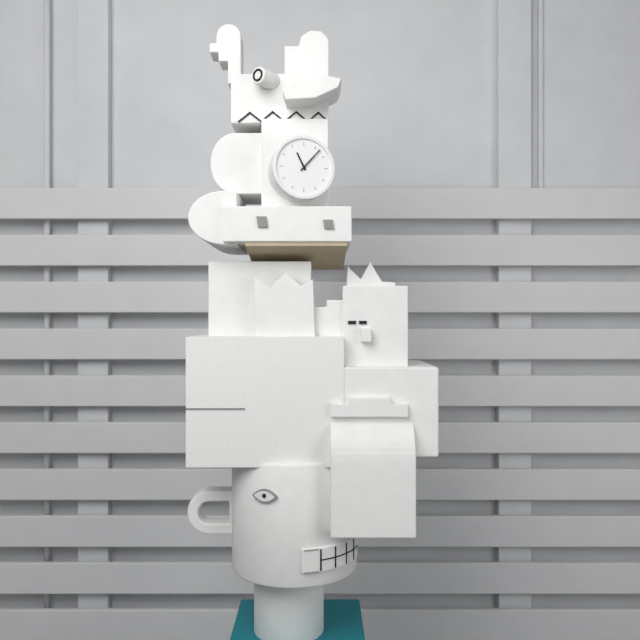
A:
11.07
